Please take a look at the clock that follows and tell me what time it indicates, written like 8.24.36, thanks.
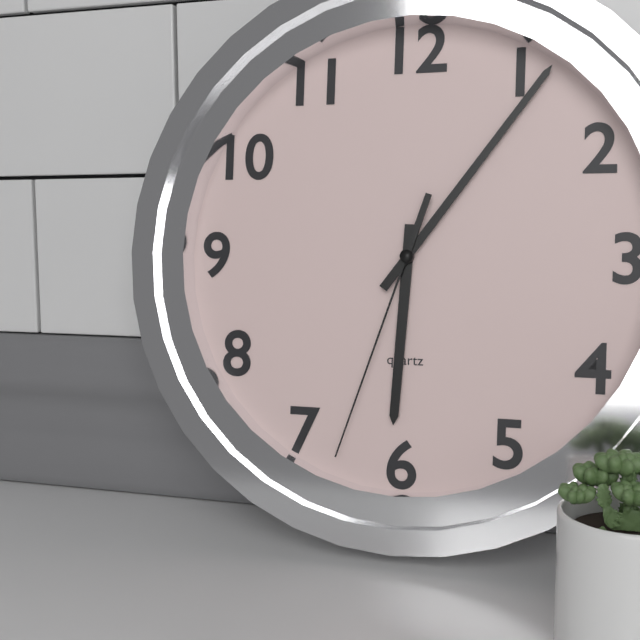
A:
6.06.33
